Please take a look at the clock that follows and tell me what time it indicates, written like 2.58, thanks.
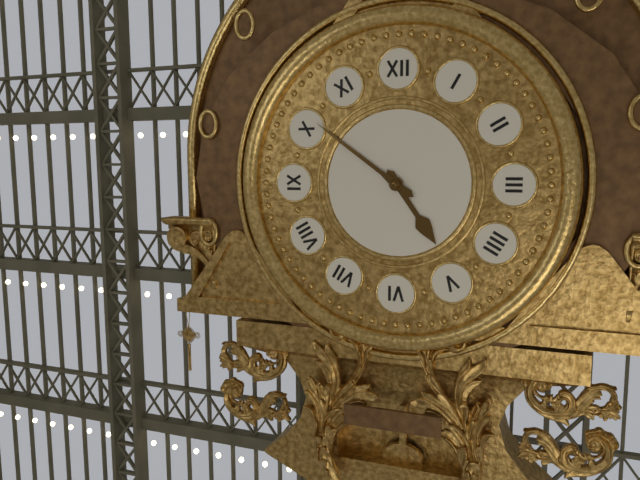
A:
4.51
